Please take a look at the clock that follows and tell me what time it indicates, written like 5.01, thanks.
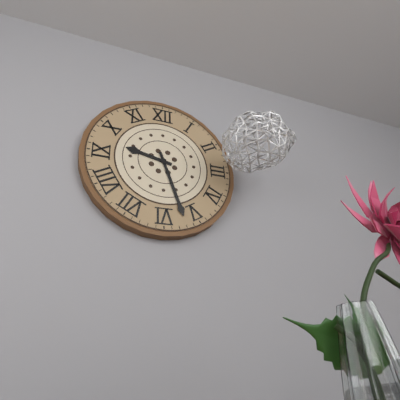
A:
9.27
